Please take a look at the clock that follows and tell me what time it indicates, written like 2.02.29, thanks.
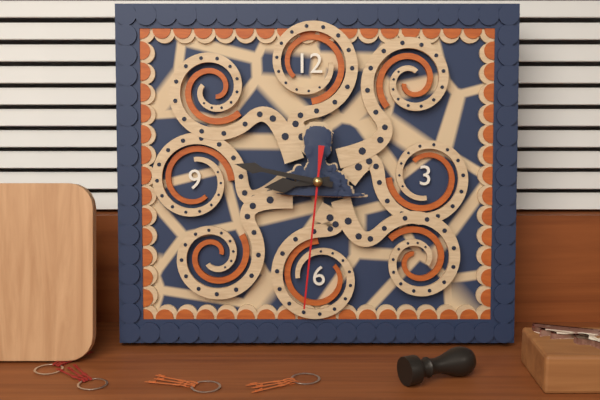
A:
8.47.31
